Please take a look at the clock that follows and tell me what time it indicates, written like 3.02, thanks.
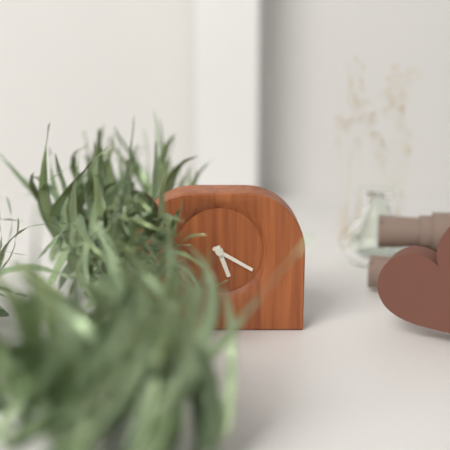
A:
5.20
